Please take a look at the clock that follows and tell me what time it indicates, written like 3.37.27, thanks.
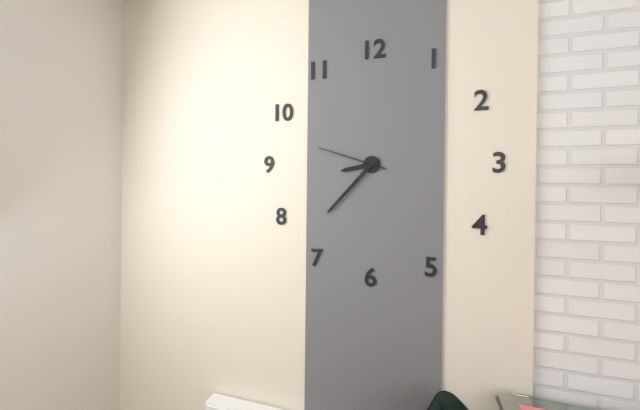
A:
8.37.48
